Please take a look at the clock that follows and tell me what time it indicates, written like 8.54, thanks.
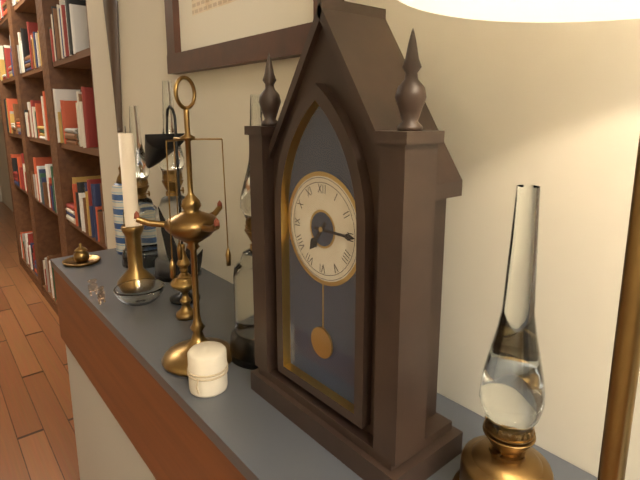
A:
7.15
